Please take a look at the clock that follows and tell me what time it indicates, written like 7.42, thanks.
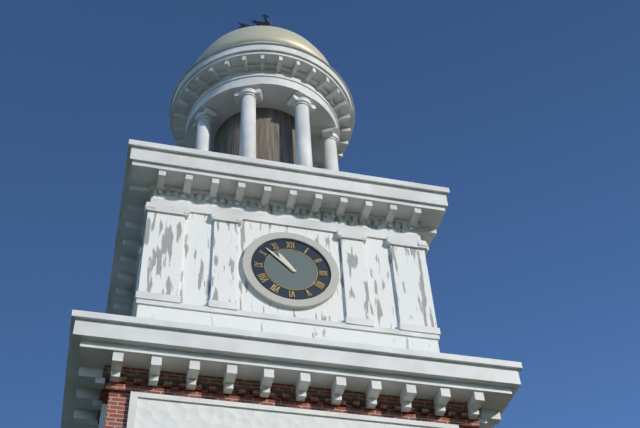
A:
10.52
